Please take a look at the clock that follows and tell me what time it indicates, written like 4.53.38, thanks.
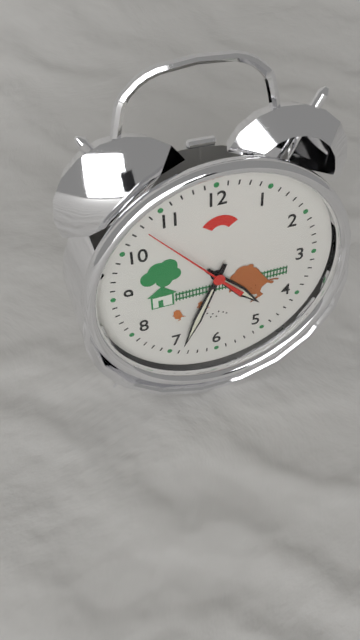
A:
4.34.53
